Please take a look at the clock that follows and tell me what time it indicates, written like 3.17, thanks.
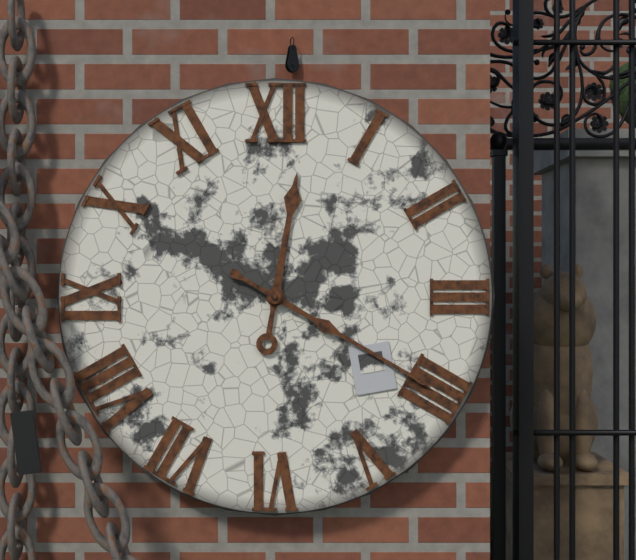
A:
12.20
